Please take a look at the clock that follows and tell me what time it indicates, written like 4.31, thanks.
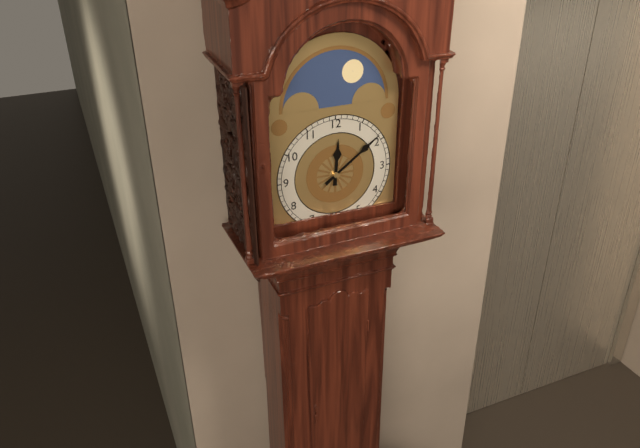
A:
12.09
